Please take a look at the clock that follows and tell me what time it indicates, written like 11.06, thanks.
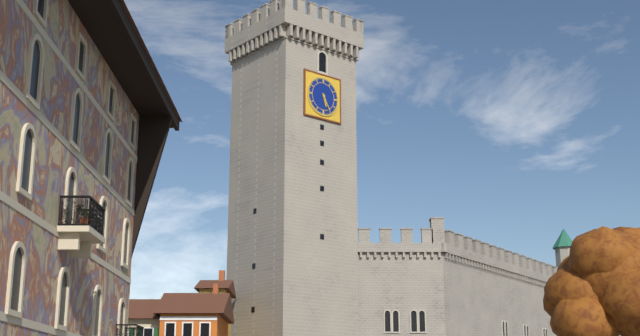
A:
5.25
